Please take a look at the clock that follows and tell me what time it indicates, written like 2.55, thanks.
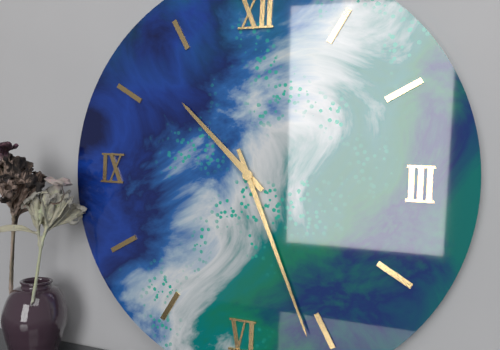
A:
10.26
